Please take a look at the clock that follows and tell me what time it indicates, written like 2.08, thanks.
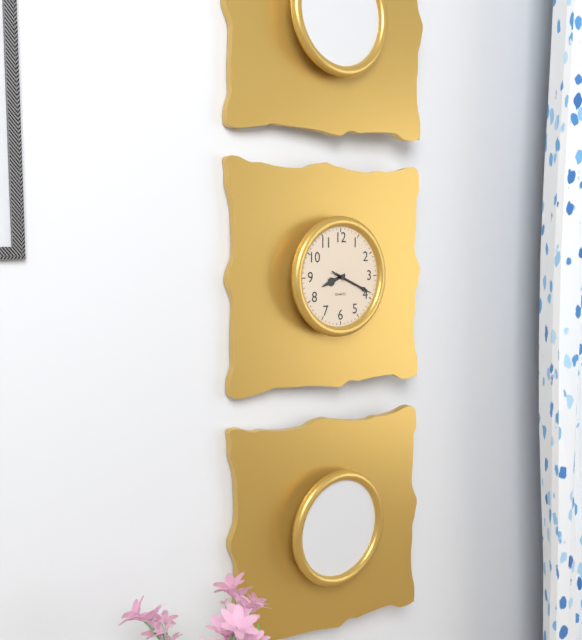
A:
8.19
